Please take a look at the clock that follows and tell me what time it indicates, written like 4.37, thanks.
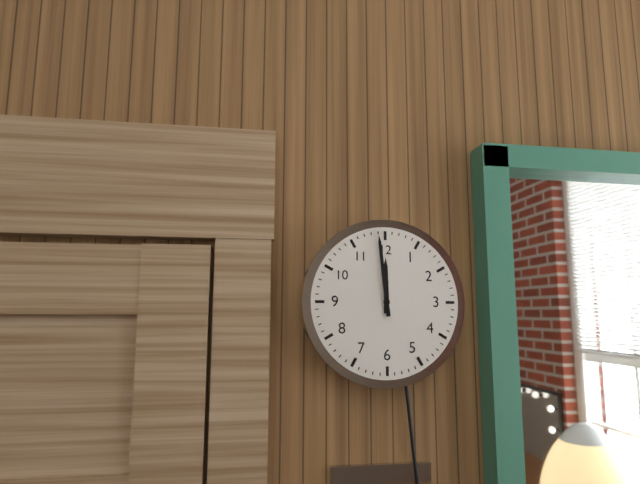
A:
11.59
